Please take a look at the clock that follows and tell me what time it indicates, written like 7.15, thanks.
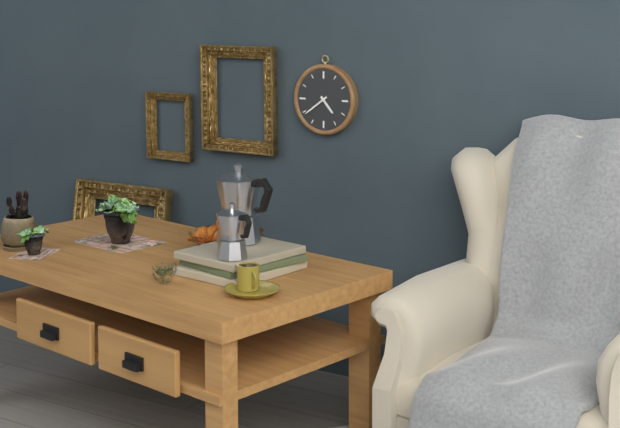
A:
4.39
